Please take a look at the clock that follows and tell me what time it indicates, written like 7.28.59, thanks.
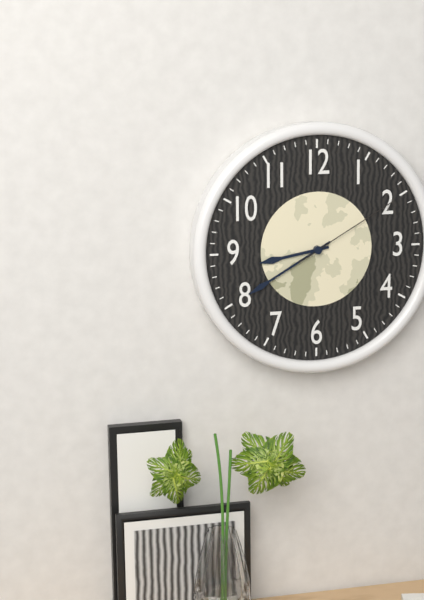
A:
8.40.10
